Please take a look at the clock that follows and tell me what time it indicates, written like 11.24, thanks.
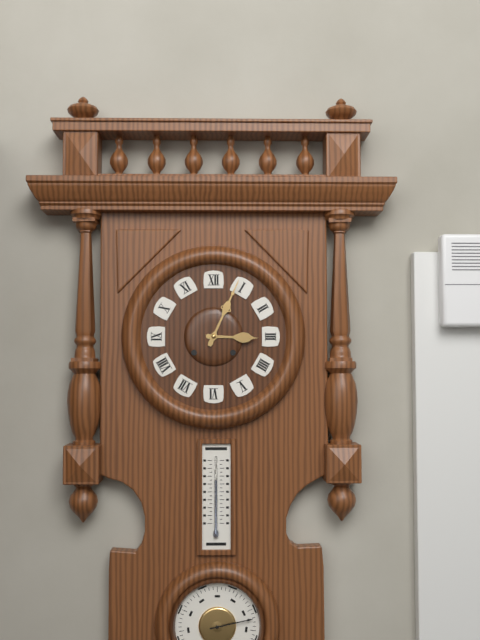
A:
3.04
